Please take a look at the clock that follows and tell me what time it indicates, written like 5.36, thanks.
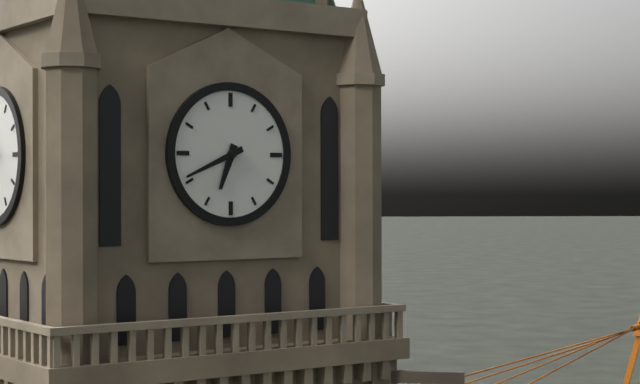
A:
6.41
